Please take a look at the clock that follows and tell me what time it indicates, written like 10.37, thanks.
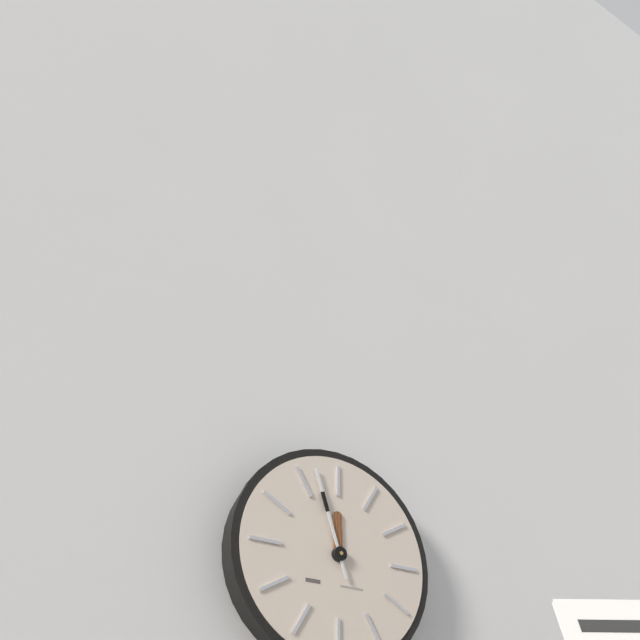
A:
11.57
